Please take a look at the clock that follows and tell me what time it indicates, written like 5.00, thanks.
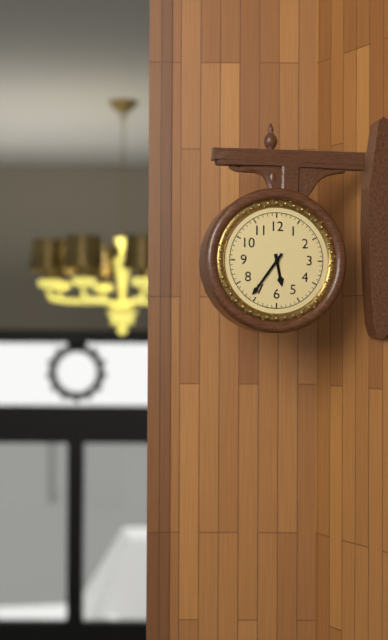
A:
5.36
